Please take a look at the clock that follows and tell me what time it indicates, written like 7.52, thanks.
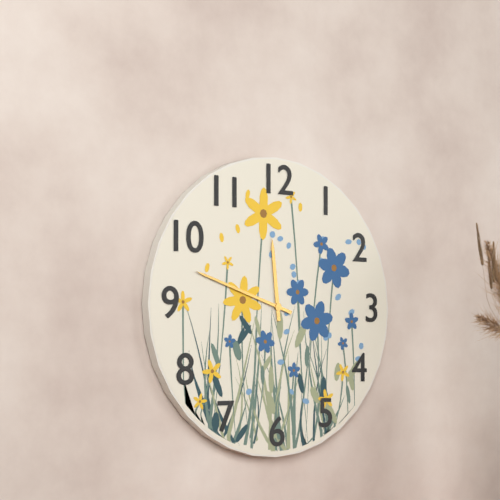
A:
11.48
